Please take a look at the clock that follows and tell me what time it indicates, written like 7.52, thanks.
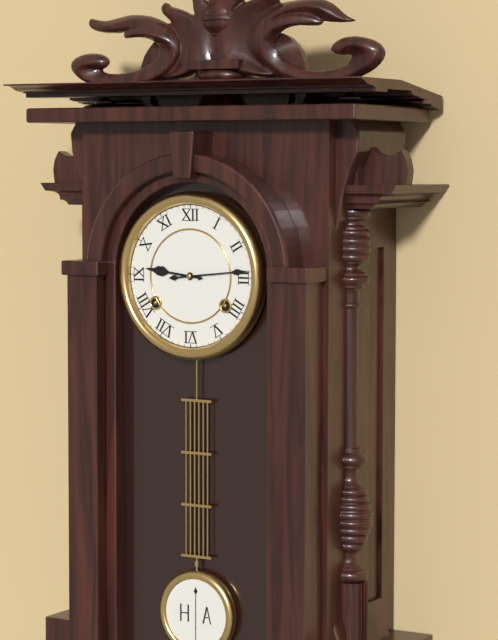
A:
9.14
